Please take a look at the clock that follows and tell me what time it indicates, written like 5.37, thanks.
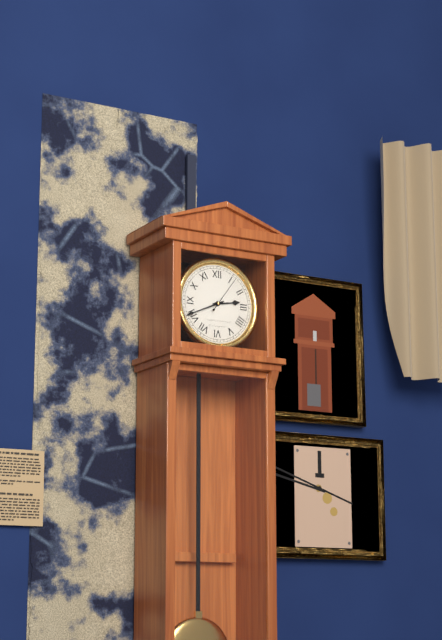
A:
2.41
